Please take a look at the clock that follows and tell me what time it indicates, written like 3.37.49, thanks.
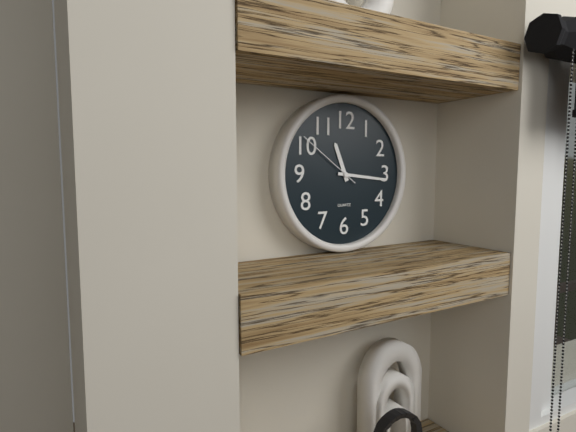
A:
11.16.51
